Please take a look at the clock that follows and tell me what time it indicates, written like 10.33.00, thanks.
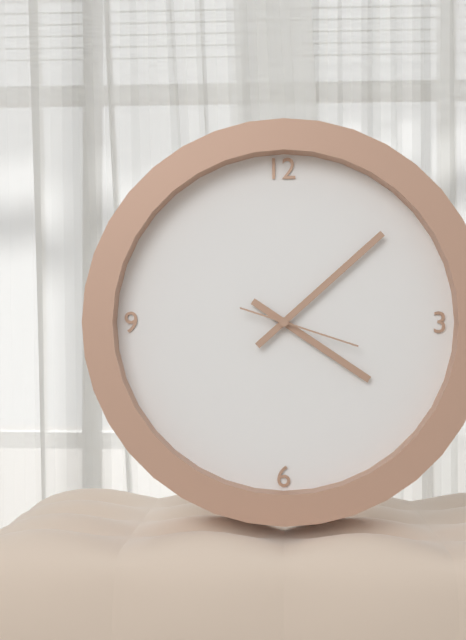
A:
4.08.18
